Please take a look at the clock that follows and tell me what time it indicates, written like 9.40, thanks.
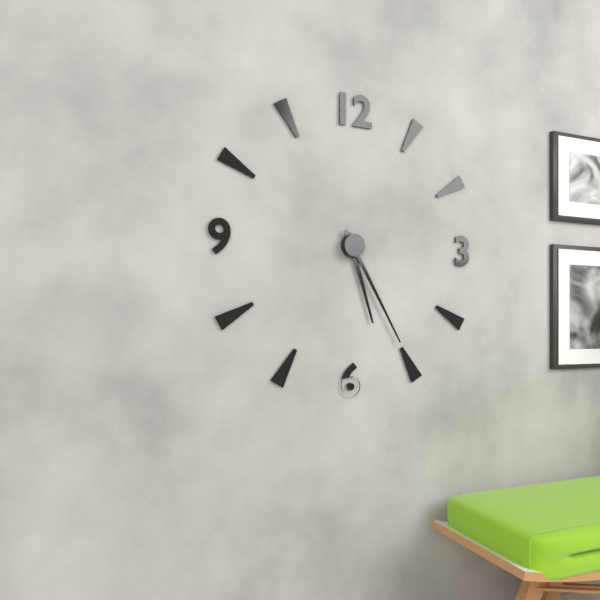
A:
5.25
